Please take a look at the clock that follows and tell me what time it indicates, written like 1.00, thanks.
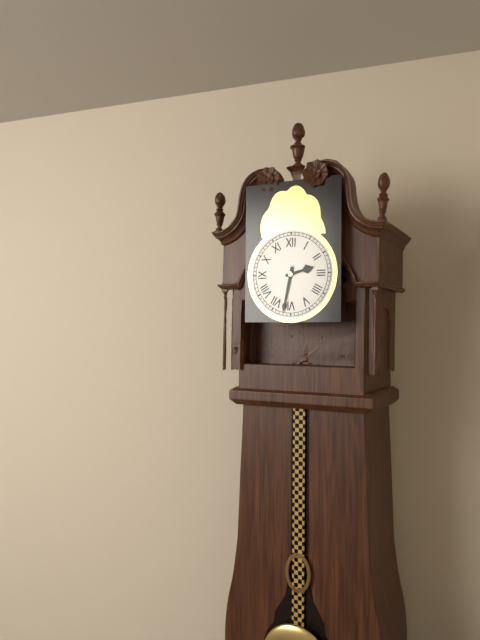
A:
2.32
